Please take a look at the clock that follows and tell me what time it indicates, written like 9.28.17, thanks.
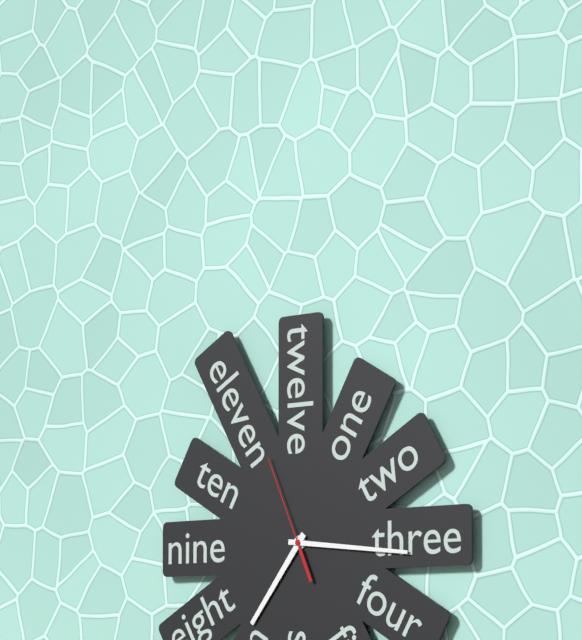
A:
7.16.56
